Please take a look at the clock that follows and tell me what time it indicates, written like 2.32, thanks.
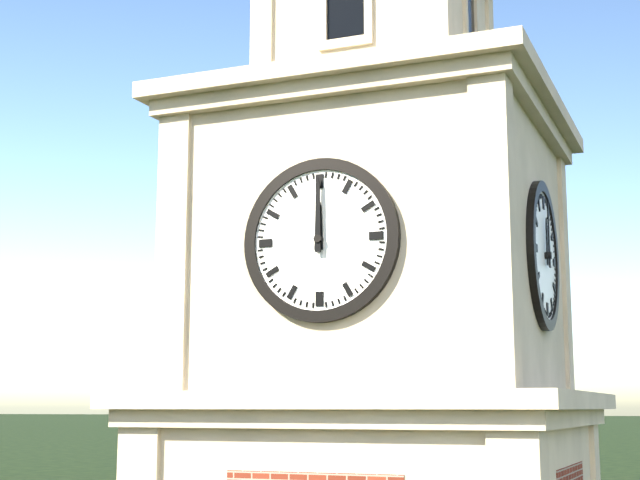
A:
12.00
